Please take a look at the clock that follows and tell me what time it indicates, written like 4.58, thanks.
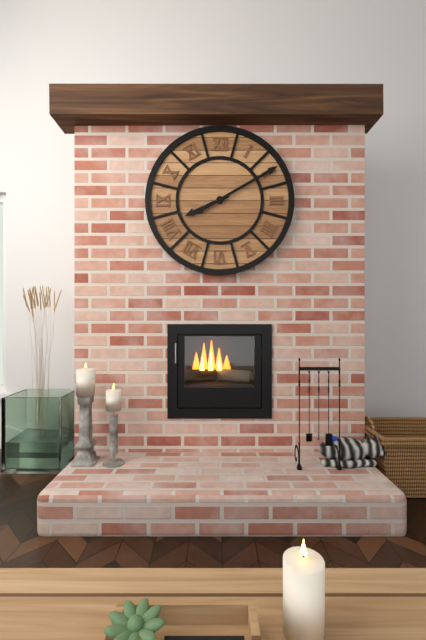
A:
8.10
